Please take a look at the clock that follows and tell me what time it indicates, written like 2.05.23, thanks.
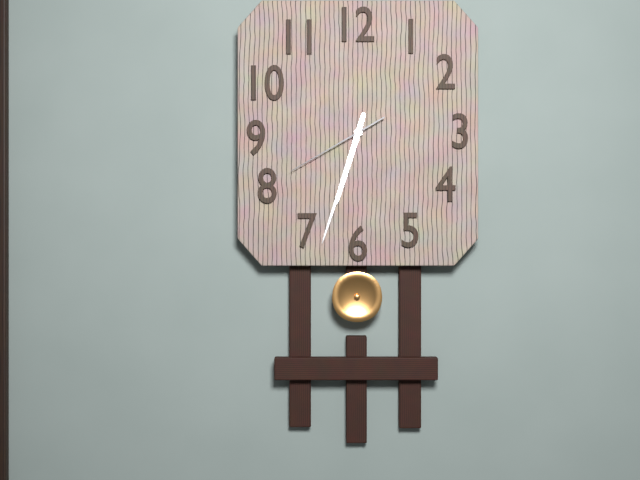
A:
6.33.40
